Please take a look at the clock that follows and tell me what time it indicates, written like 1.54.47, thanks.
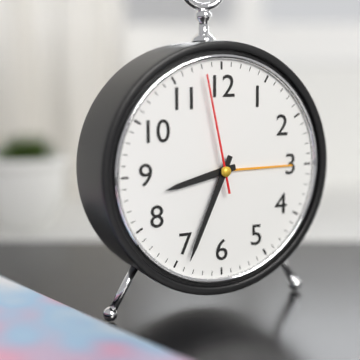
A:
8.34.58
